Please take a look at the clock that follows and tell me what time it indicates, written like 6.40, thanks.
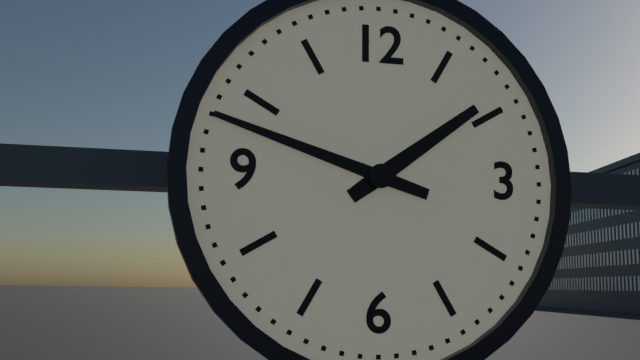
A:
1.48
